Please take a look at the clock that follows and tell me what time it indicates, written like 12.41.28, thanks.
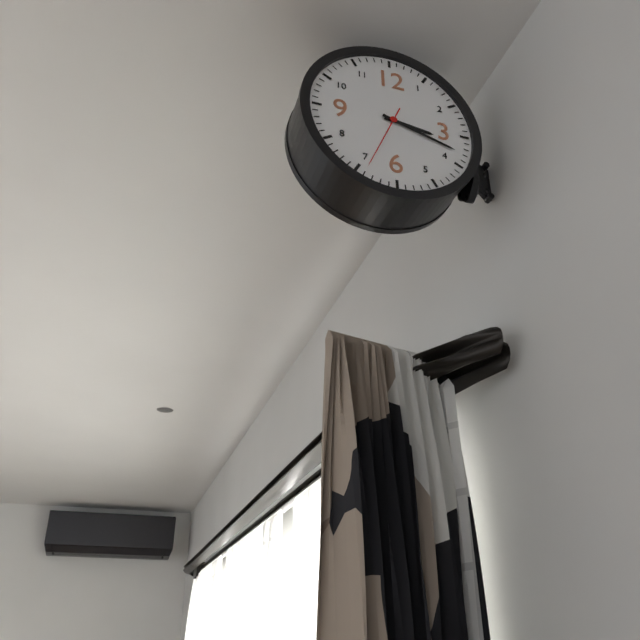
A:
3.18.34
